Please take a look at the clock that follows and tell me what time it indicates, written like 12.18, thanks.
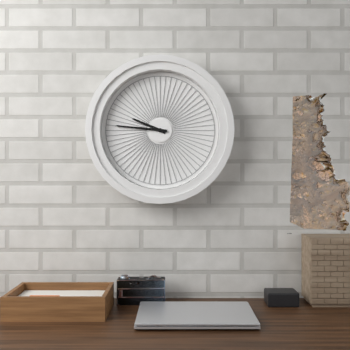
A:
9.46
